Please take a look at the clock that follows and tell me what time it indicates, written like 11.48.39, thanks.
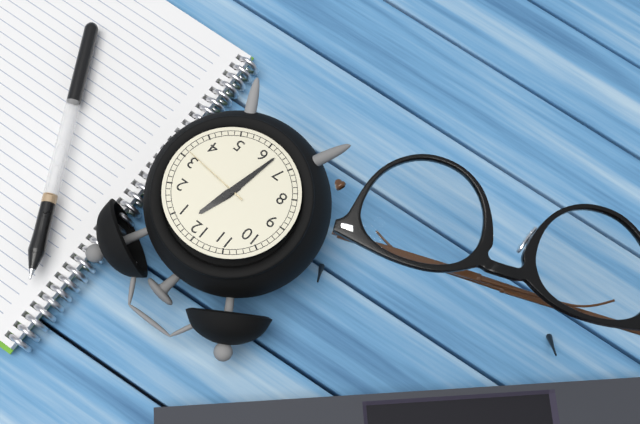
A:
12.32.16
